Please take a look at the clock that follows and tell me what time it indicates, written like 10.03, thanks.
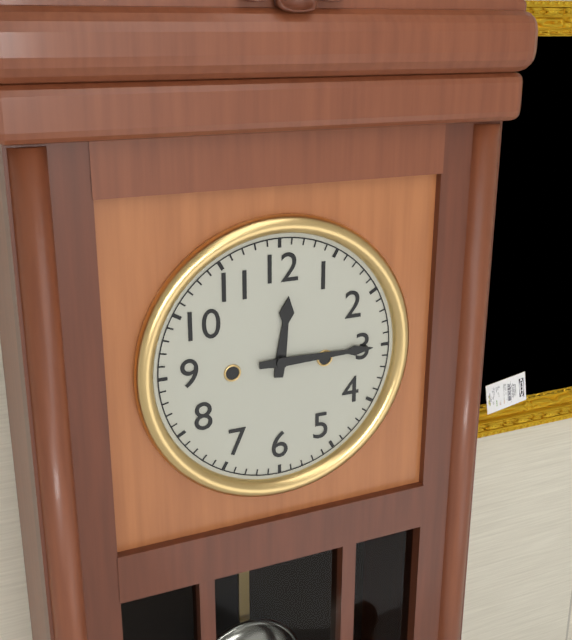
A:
12.15
